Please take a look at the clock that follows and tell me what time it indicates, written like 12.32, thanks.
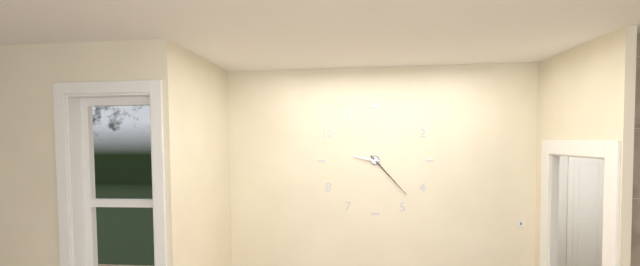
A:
9.23
